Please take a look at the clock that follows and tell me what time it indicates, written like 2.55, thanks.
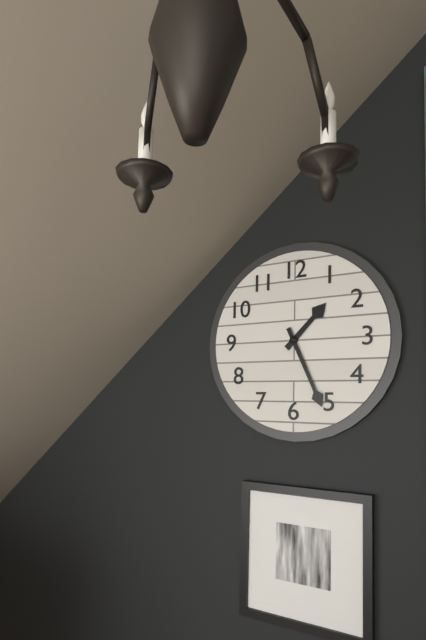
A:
1.26
